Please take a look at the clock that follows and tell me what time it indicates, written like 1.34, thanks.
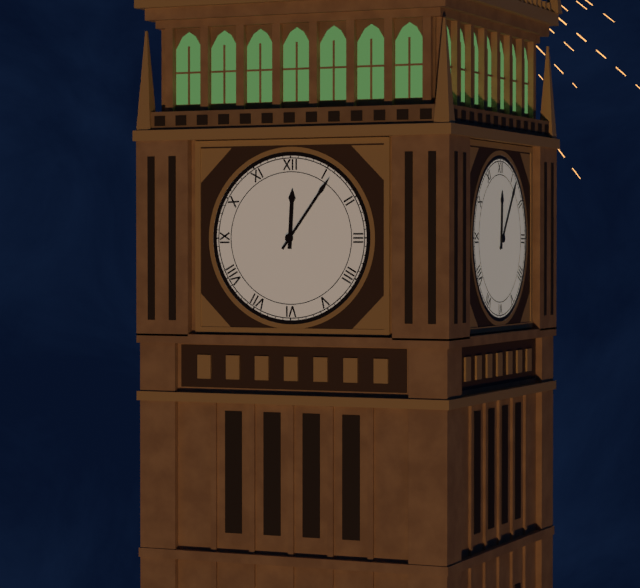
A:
12.06
